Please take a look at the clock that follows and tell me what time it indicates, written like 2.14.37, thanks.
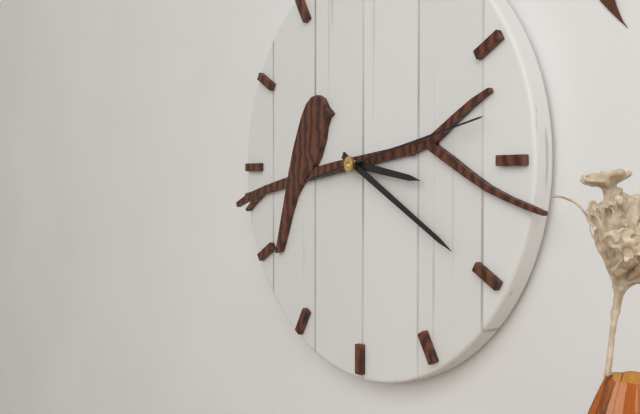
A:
3.20.13
